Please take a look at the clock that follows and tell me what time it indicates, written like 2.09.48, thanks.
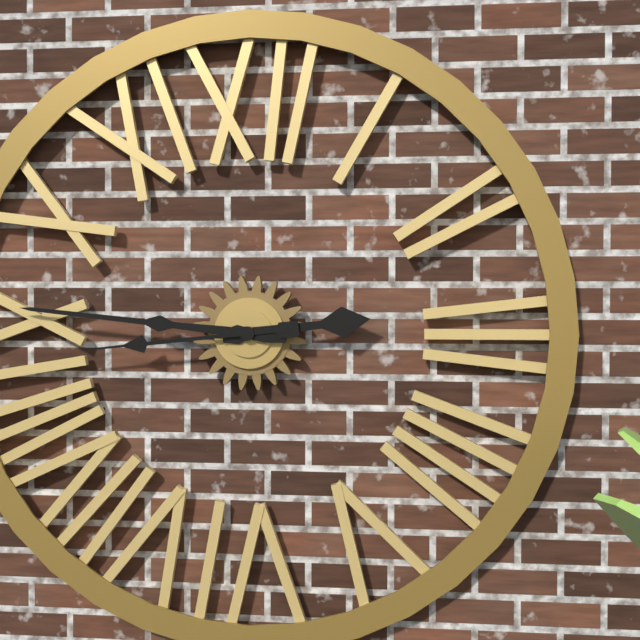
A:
2.46.44
